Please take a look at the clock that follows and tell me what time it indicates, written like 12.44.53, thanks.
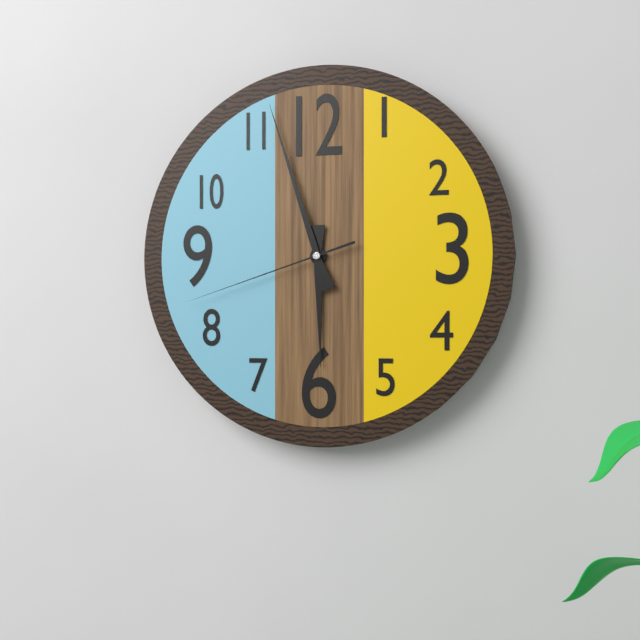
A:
5.57.42
